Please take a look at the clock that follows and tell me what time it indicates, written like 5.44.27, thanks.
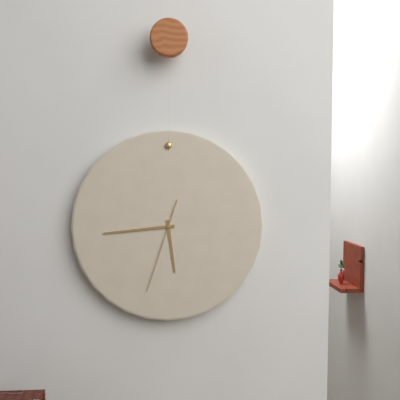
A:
5.44.33
